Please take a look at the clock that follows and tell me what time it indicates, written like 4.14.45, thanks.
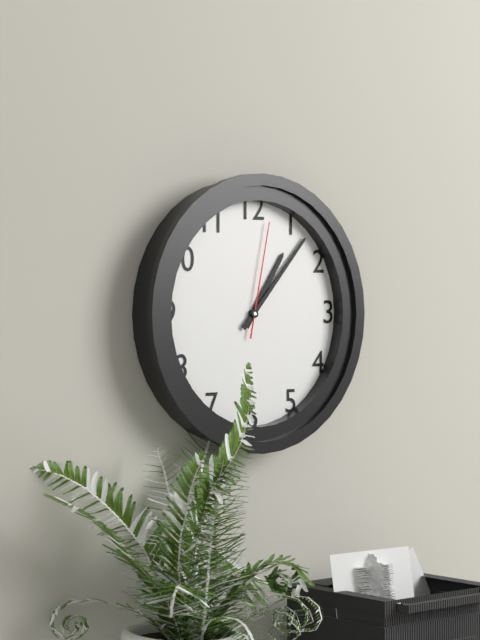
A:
1.07.02
